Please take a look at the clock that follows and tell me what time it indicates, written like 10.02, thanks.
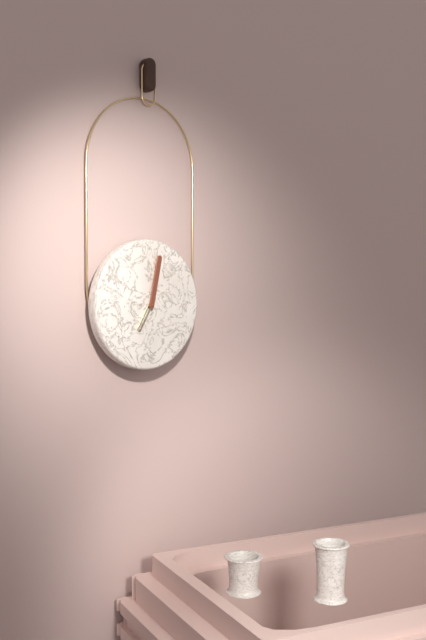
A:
7.02
